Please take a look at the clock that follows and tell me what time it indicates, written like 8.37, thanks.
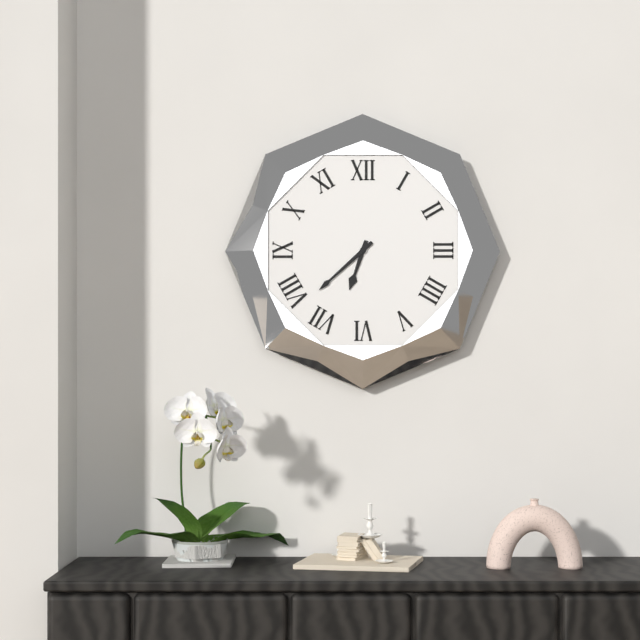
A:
6.38
